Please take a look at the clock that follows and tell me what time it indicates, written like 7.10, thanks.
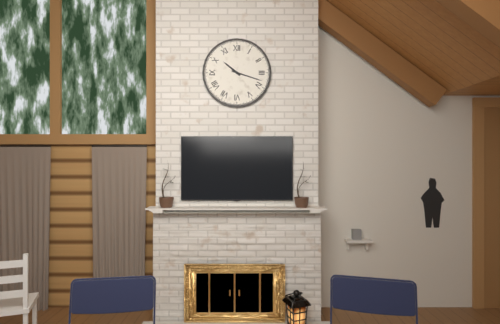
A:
10.18
